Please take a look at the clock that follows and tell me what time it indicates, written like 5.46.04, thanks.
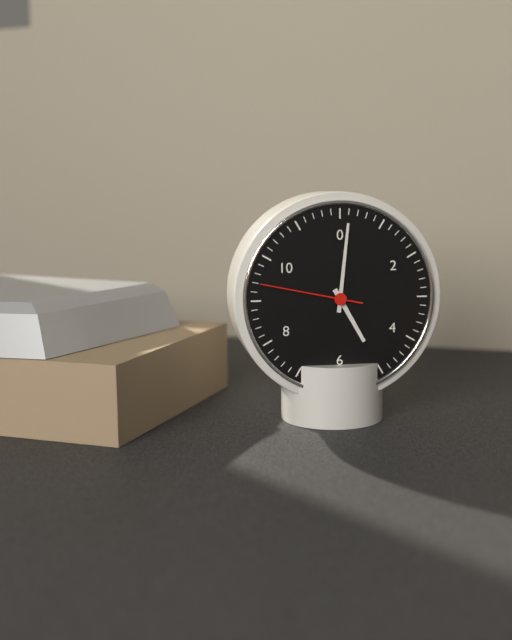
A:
5.01.47
